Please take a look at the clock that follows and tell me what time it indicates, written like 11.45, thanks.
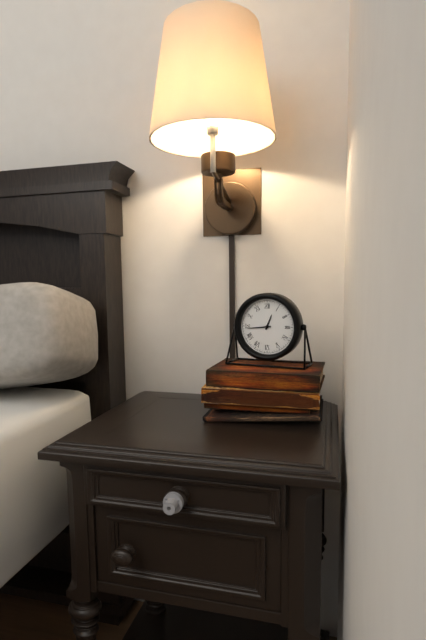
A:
12.44
